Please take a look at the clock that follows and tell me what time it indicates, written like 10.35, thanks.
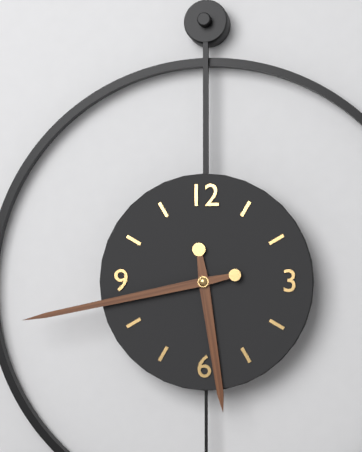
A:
5.43
